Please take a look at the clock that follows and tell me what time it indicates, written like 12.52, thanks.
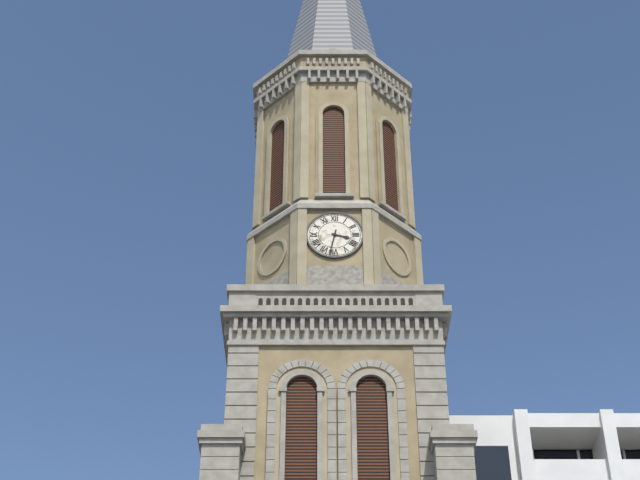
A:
3.32
